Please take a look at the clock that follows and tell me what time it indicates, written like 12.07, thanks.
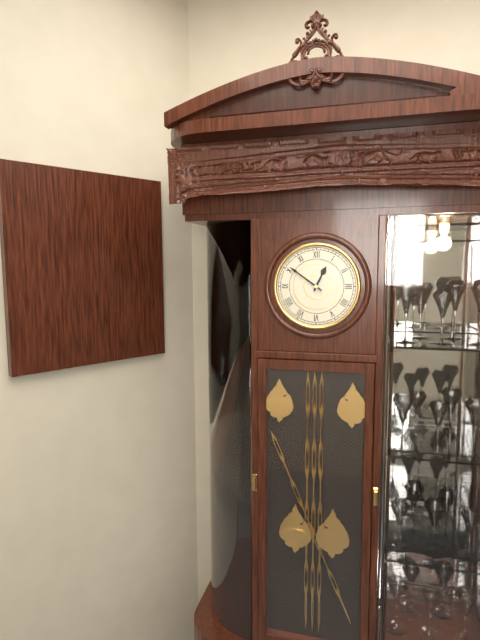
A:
12.51
